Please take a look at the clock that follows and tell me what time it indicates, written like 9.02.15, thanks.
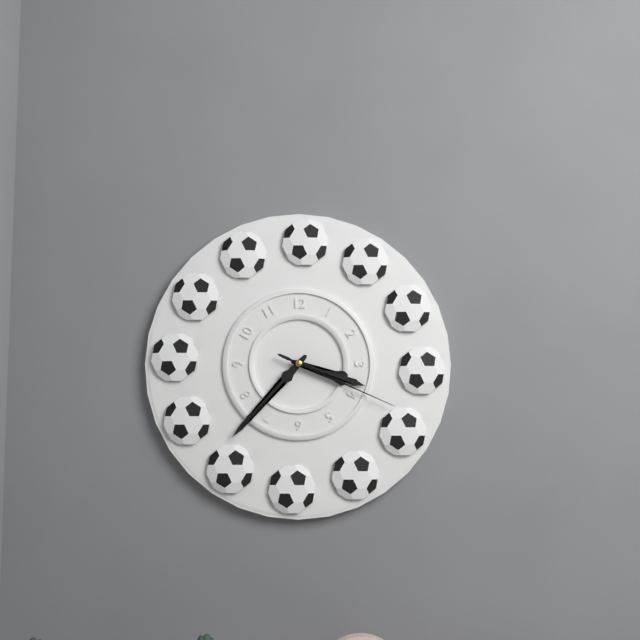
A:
3.37.19
